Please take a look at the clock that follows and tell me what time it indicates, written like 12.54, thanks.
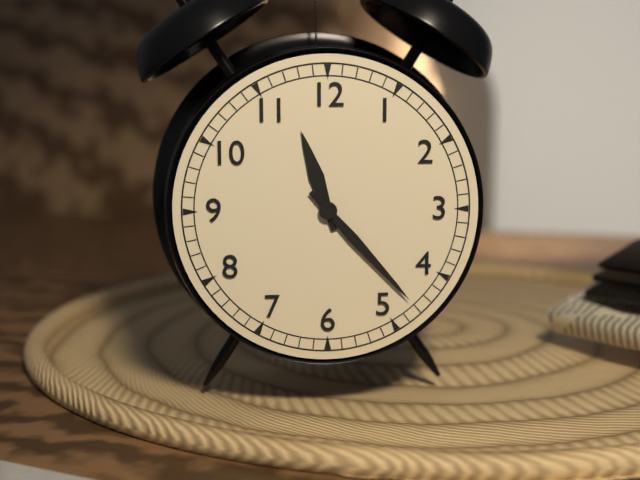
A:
11.23
